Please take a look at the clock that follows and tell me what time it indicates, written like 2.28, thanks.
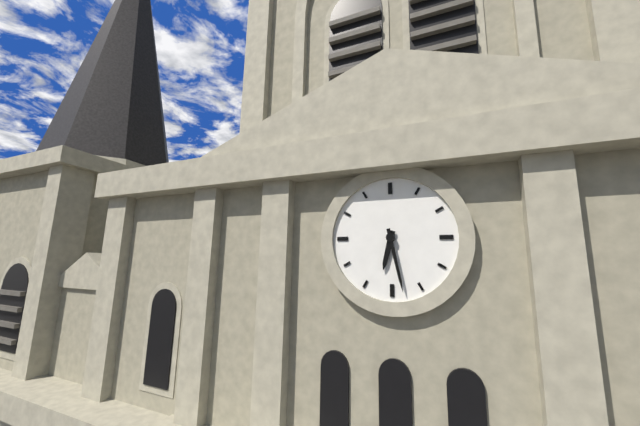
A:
6.28
